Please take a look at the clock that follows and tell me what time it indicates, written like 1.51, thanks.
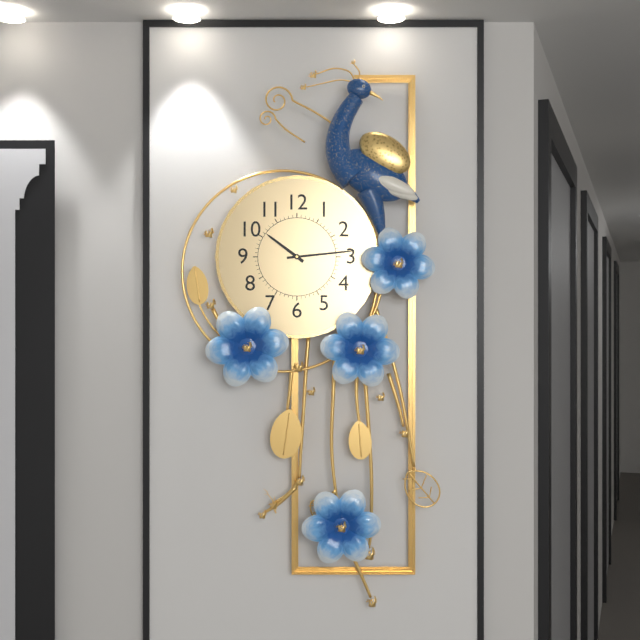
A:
10.14
